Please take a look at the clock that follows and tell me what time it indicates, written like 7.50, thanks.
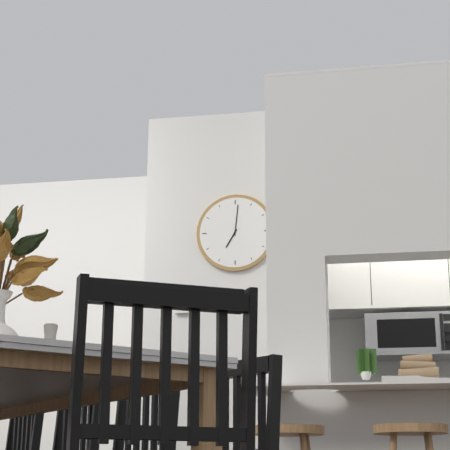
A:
7.01
